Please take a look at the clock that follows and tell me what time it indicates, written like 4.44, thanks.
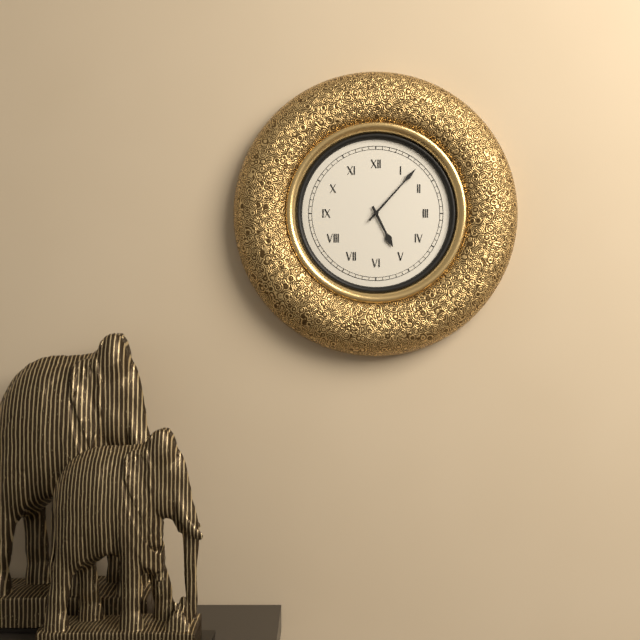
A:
5.07
